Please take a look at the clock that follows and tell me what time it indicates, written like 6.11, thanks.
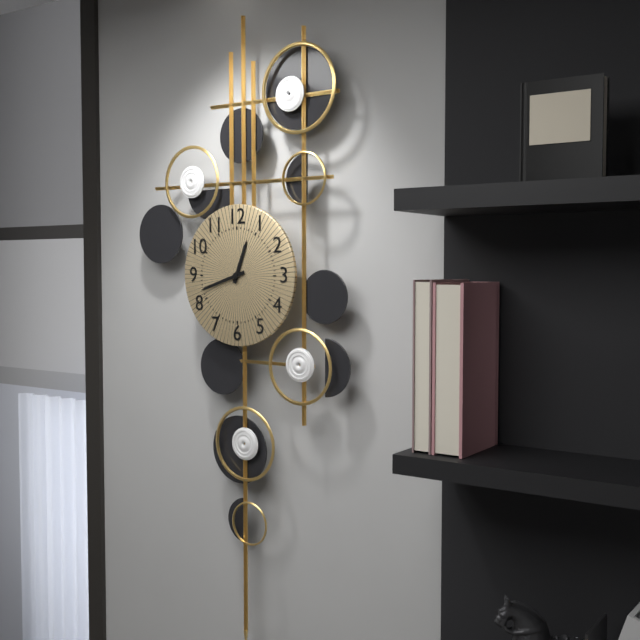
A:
12.42
